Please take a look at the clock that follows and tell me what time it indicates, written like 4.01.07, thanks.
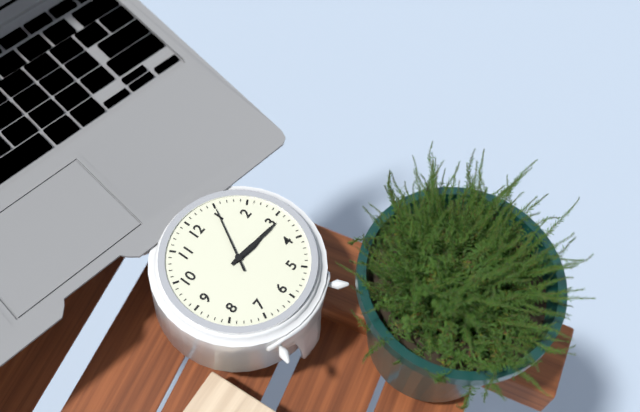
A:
3.16.05
